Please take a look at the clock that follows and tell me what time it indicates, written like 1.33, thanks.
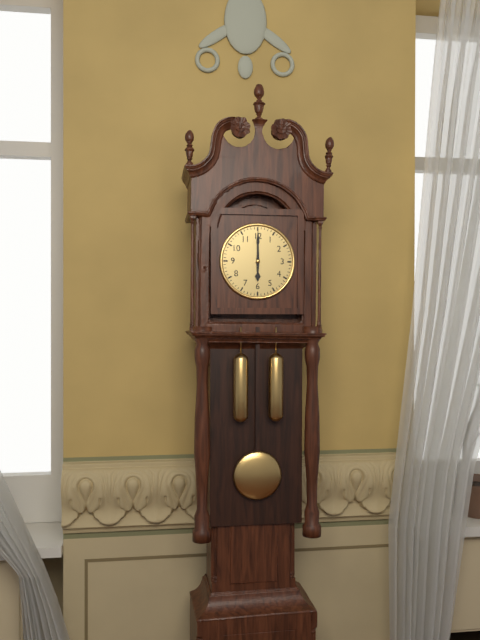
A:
6.00
